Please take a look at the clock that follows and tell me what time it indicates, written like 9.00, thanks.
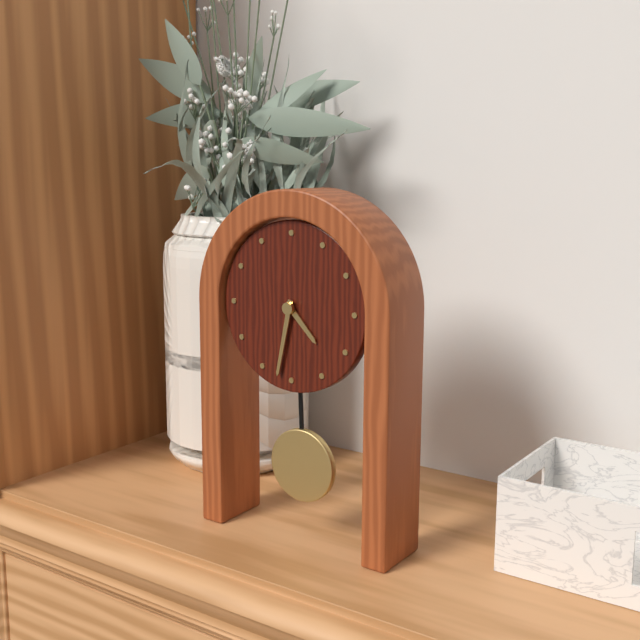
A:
4.32
